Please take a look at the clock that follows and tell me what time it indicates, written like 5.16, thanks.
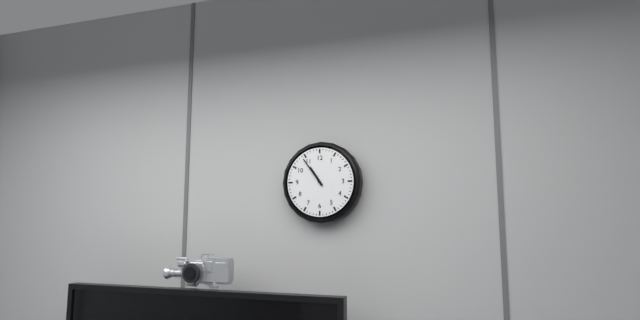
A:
10.54
